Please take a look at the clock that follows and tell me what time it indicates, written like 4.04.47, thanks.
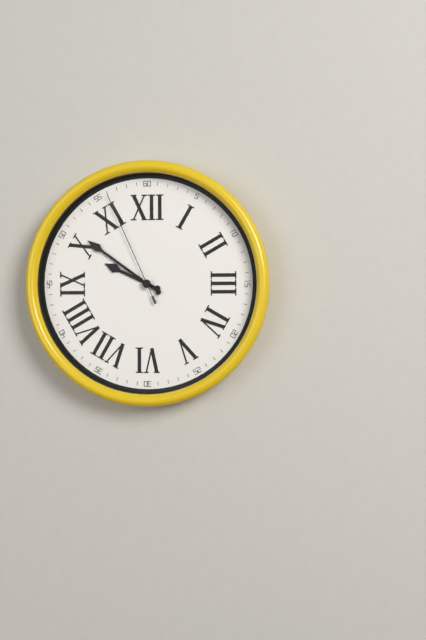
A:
9.51.56
